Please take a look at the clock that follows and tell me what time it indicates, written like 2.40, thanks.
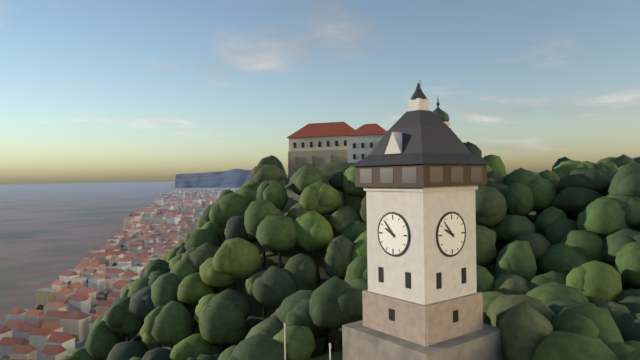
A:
9.53
